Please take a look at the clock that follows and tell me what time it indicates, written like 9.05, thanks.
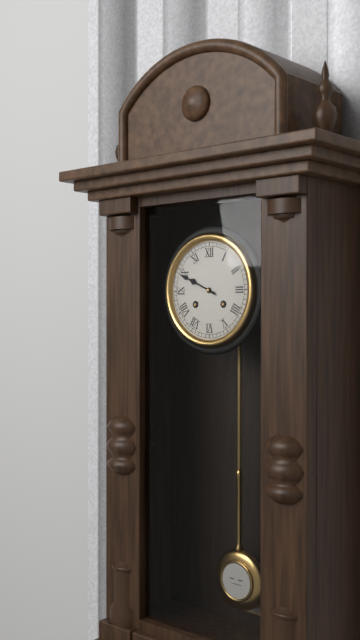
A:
9.49
